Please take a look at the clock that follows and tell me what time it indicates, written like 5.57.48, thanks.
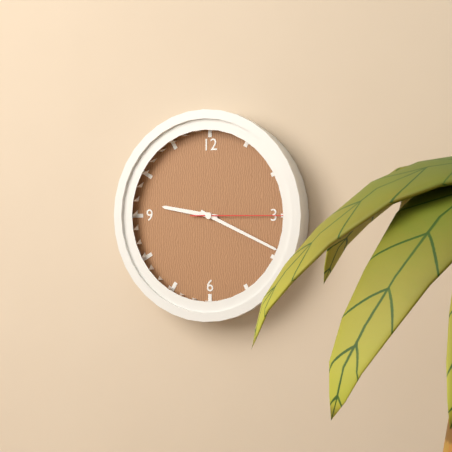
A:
9.19.15
